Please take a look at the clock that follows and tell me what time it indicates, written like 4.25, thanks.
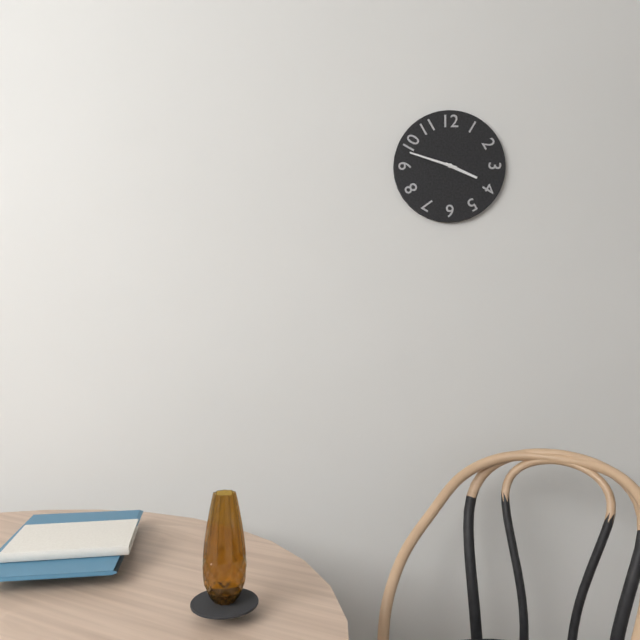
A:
3.48
